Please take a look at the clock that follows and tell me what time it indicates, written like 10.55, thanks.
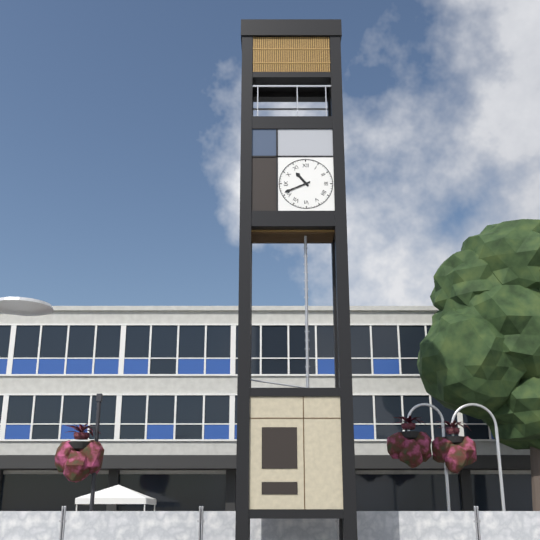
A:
10.41
